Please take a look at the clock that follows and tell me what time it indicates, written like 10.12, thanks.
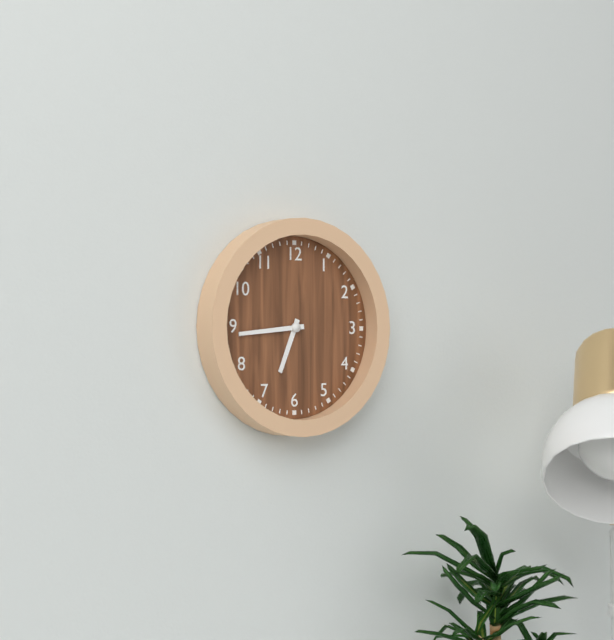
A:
6.44
